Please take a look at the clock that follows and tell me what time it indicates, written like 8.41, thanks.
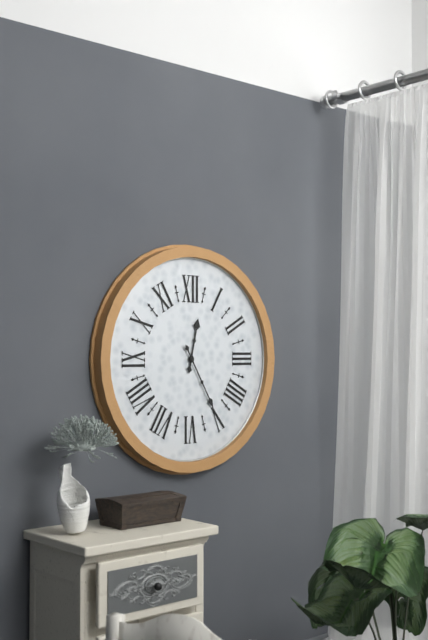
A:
12.25
